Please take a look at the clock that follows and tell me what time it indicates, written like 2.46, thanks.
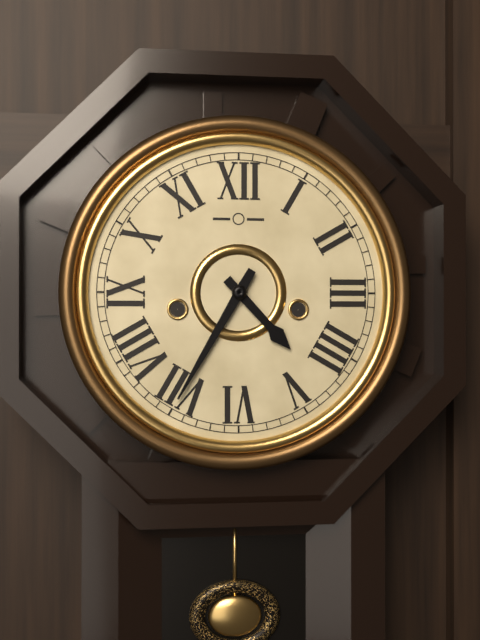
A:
4.35
